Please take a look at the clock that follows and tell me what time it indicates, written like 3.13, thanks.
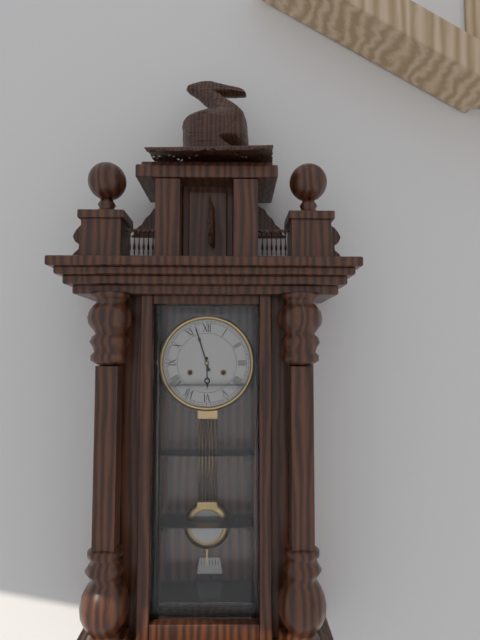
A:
5.57
